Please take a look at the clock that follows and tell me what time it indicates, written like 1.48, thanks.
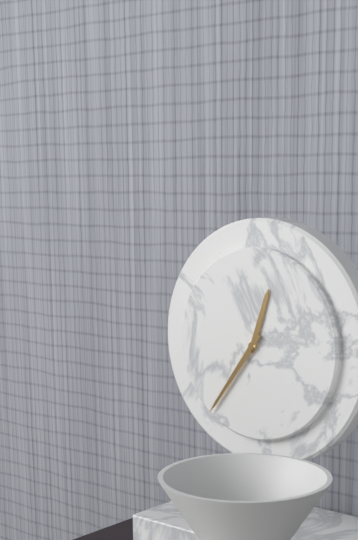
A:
12.36
